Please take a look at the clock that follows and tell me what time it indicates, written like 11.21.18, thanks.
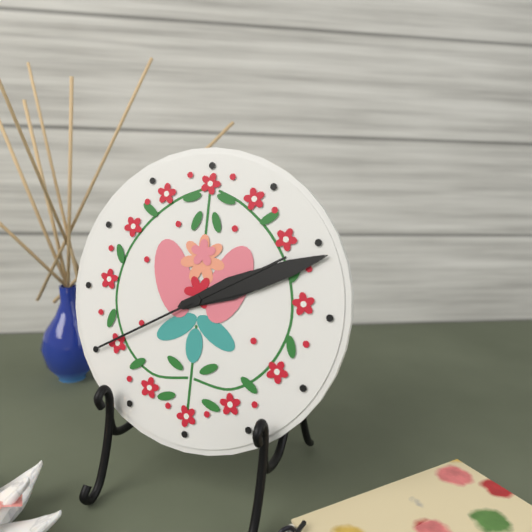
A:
2.11.40
